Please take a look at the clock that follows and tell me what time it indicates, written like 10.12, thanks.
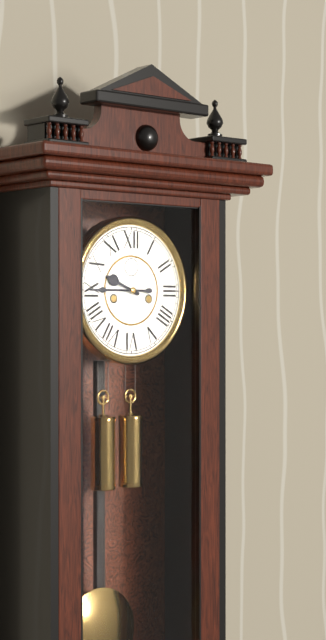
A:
9.45
